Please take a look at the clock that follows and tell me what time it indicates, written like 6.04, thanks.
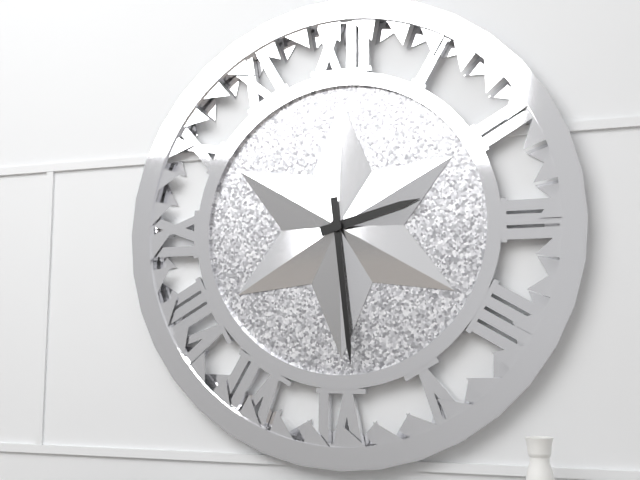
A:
2.29
